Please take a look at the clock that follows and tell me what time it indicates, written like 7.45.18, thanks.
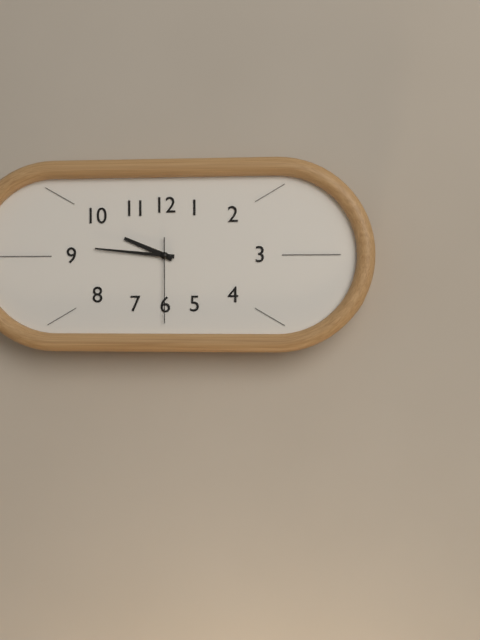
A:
9.46.30
